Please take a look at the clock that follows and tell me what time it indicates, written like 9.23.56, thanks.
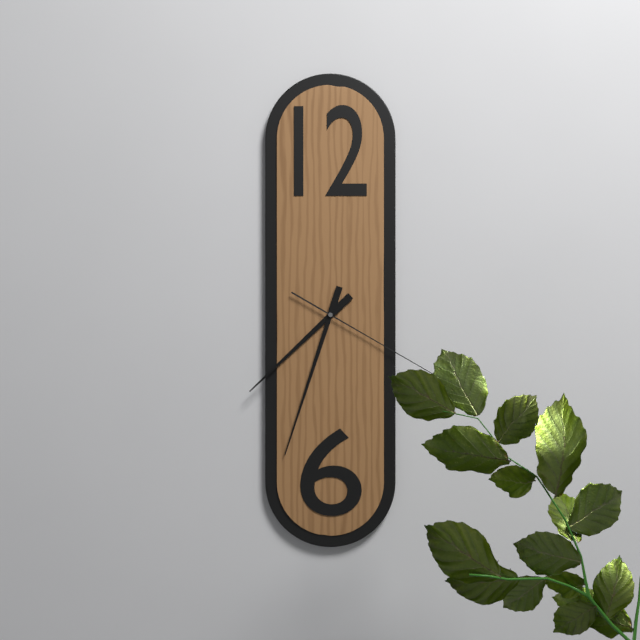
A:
7.33.20
